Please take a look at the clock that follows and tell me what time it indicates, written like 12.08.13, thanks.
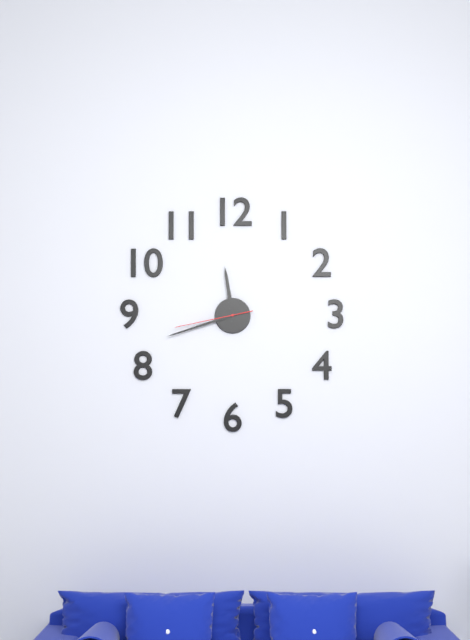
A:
11.42.43
